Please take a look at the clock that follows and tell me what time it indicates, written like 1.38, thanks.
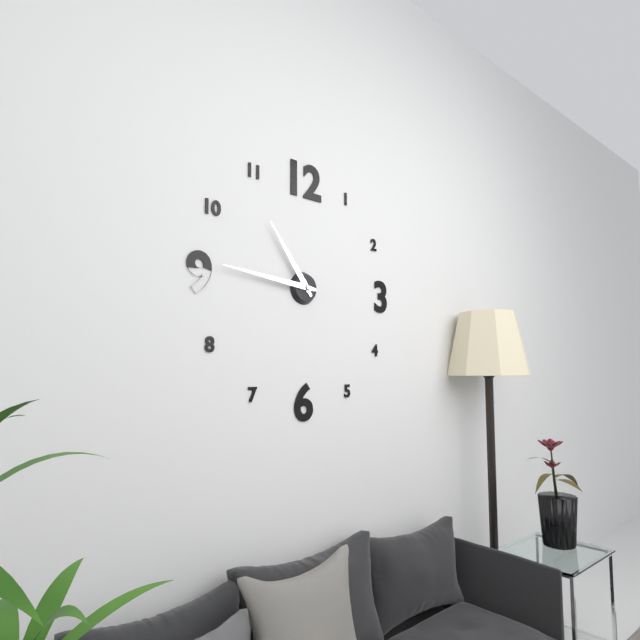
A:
10.46
